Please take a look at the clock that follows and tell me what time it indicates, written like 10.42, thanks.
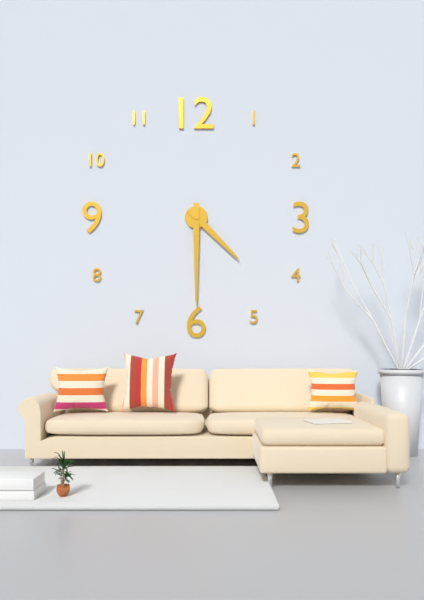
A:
4.30
